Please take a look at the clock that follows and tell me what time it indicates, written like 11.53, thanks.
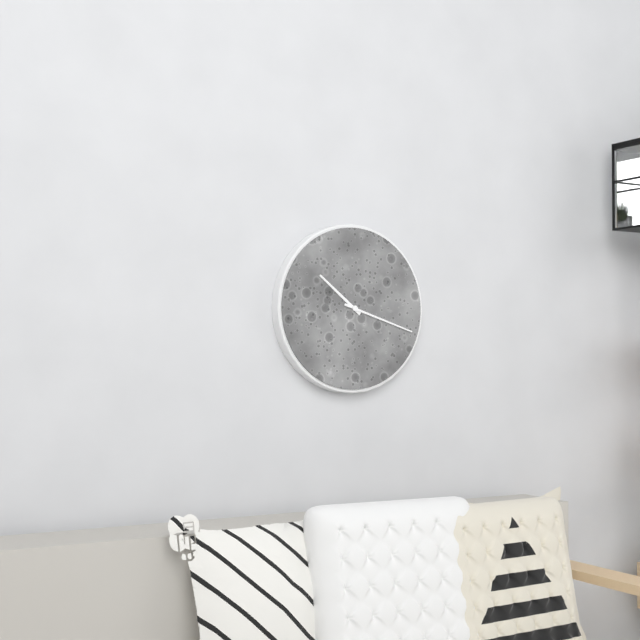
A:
10.18
